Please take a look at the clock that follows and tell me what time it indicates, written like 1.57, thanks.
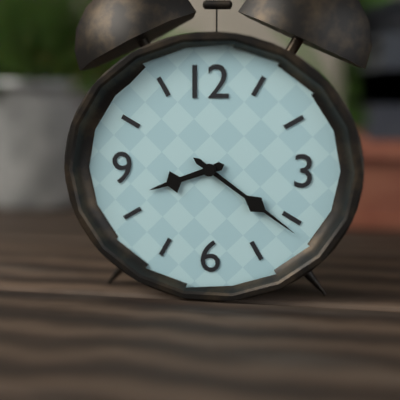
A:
8.21
